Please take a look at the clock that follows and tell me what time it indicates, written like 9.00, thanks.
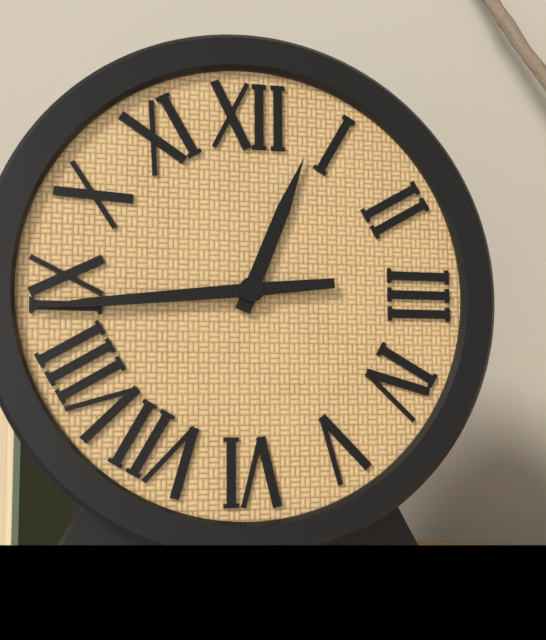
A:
12.44
